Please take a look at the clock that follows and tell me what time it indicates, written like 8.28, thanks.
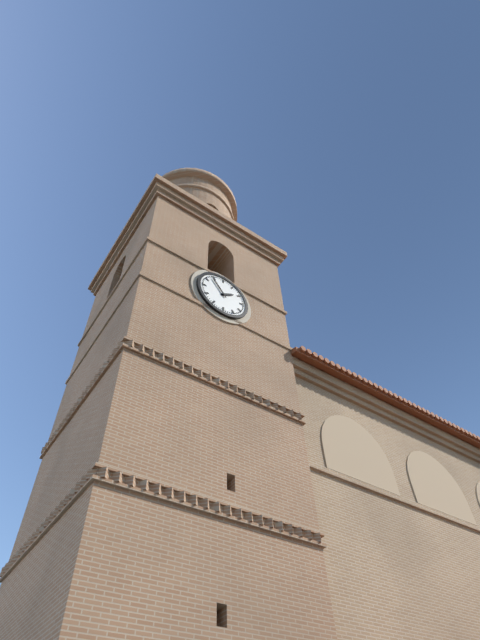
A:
1.54
